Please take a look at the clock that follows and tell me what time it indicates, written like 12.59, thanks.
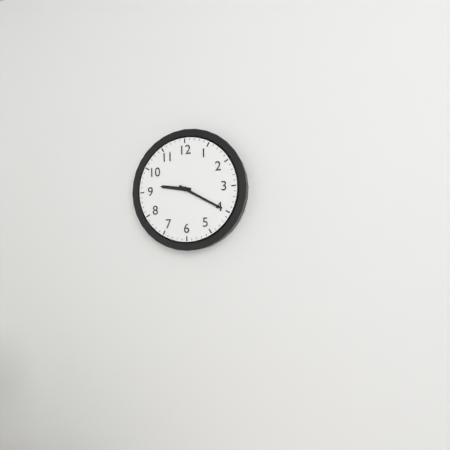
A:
9.20
